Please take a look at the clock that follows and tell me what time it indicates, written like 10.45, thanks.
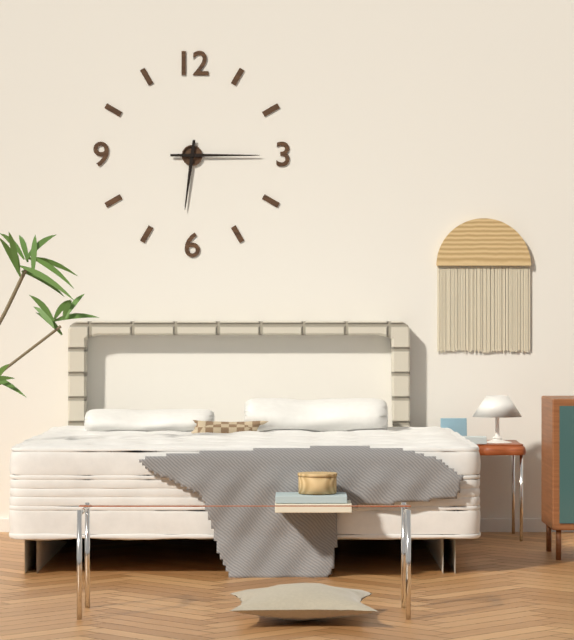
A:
6.15
